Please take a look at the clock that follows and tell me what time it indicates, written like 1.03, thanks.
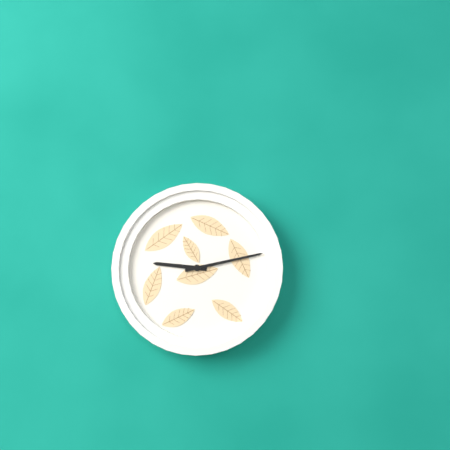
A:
9.13
